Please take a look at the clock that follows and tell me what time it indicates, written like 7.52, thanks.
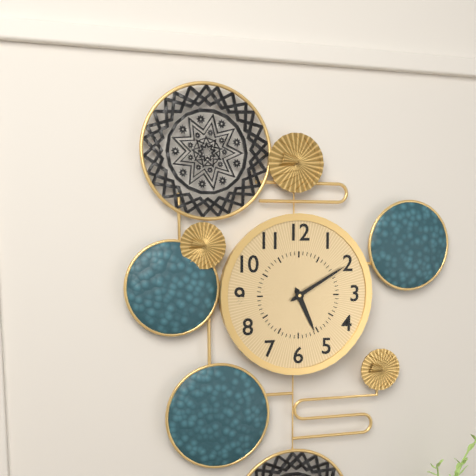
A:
5.10
